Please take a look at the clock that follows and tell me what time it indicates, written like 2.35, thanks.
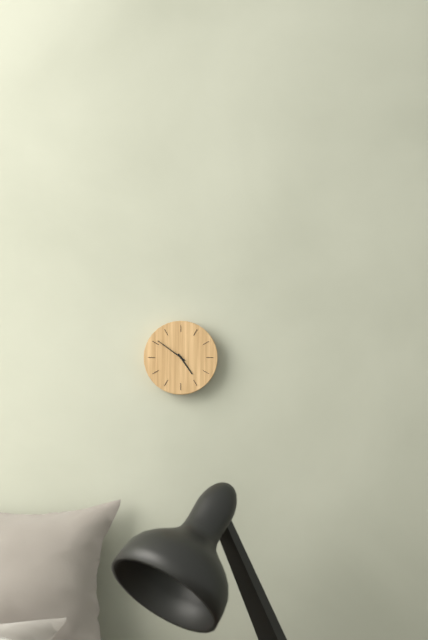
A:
4.51
